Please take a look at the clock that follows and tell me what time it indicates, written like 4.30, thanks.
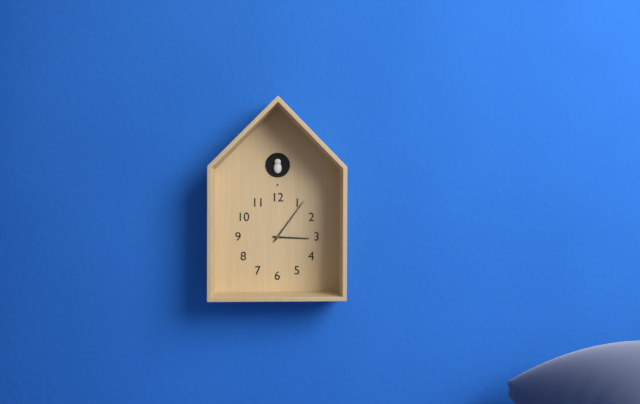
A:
3.06
